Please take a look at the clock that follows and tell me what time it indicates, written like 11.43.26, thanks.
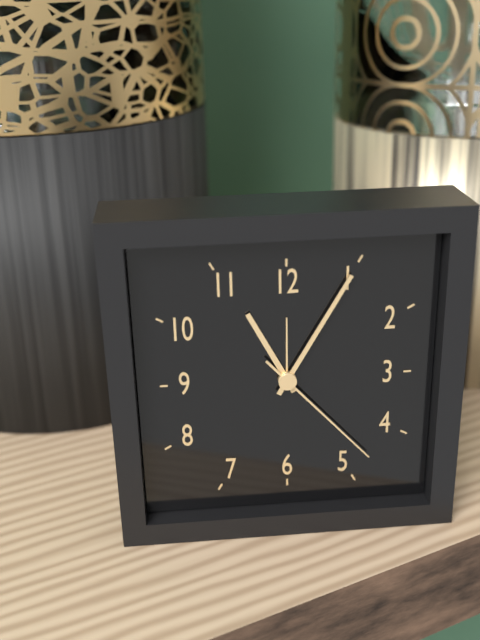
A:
11.05.23
